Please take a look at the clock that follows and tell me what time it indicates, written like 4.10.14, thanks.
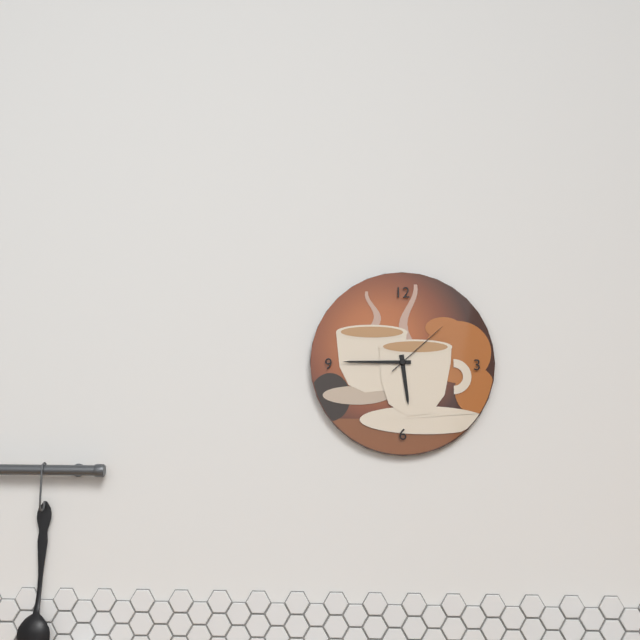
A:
5.45.08
